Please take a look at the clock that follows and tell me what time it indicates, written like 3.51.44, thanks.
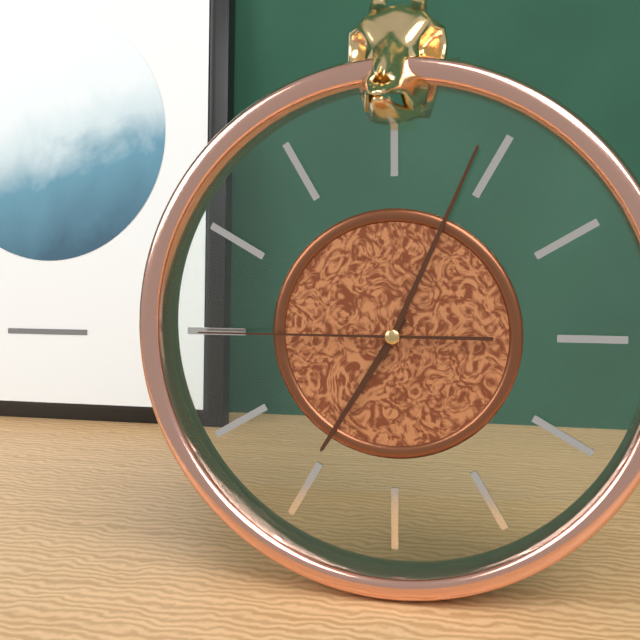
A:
7.04.45
